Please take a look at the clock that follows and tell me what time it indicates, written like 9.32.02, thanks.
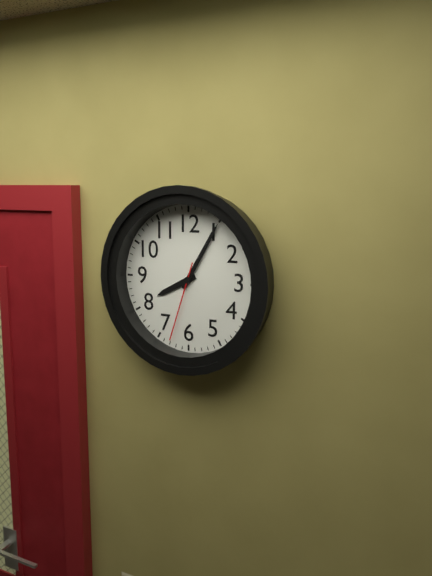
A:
8.05.33
